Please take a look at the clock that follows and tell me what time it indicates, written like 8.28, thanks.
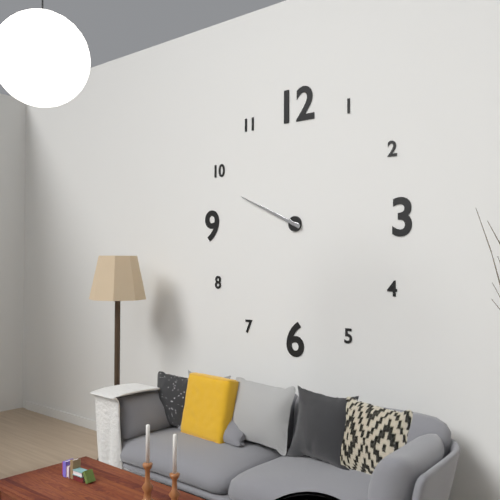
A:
9.49
